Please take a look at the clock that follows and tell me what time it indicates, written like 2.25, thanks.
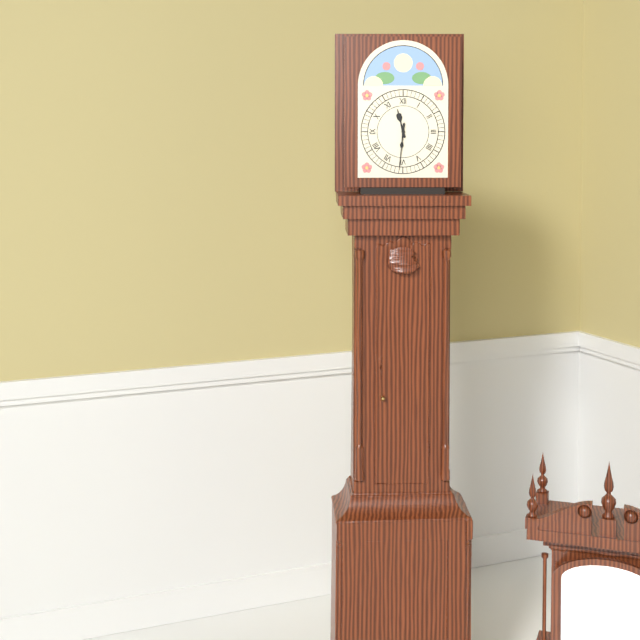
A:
11.31
